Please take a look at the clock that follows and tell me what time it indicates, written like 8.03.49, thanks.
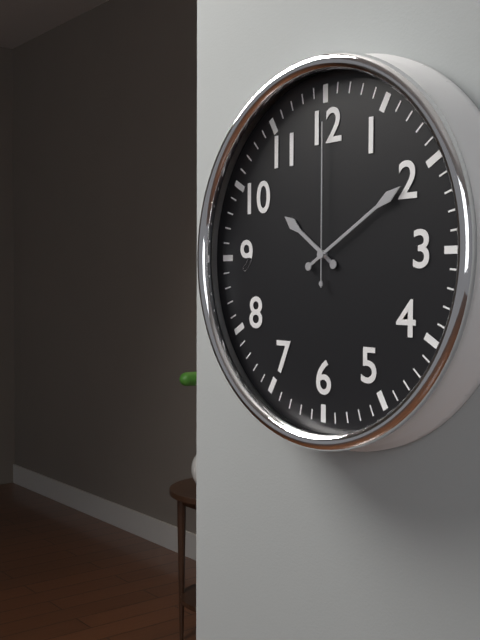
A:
10.10.00
